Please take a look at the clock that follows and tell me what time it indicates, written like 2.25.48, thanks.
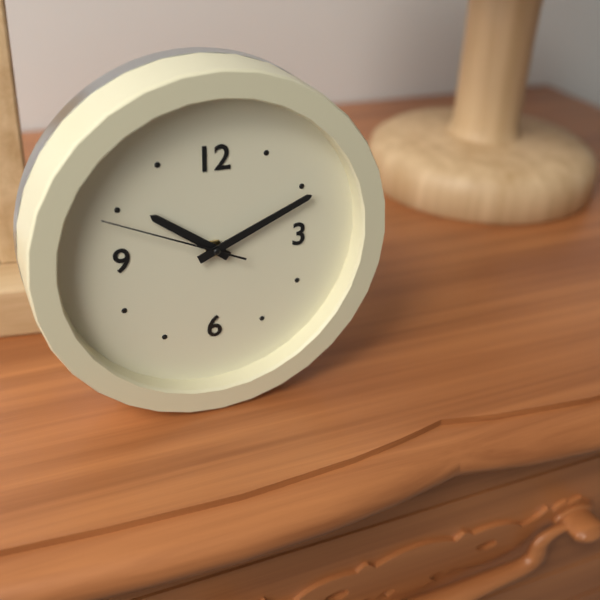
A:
10.11.49
